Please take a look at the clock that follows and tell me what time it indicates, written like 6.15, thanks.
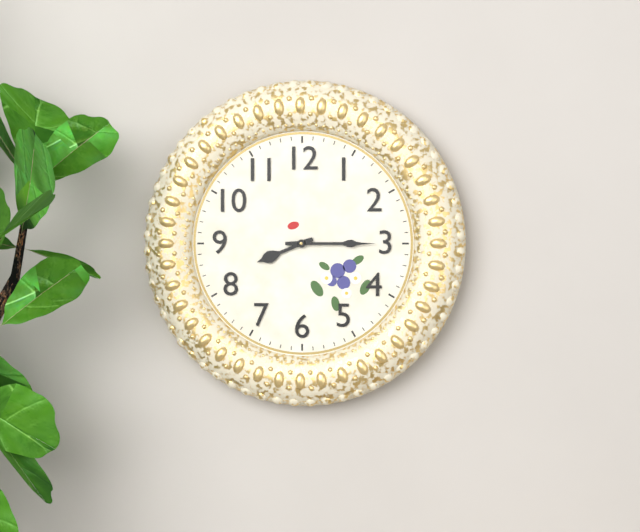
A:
8.15
